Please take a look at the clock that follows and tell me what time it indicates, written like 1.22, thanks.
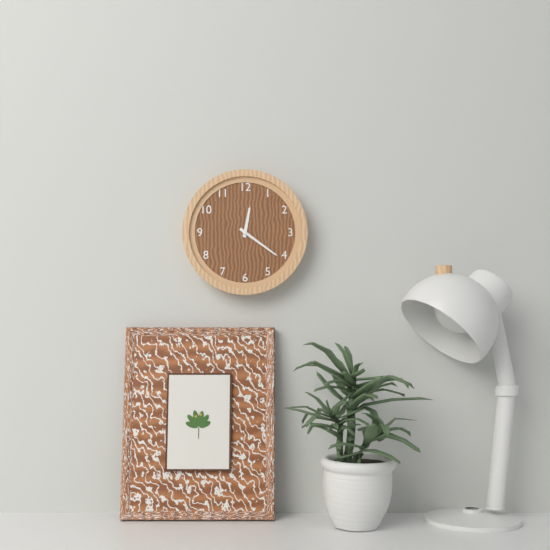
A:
12.21
